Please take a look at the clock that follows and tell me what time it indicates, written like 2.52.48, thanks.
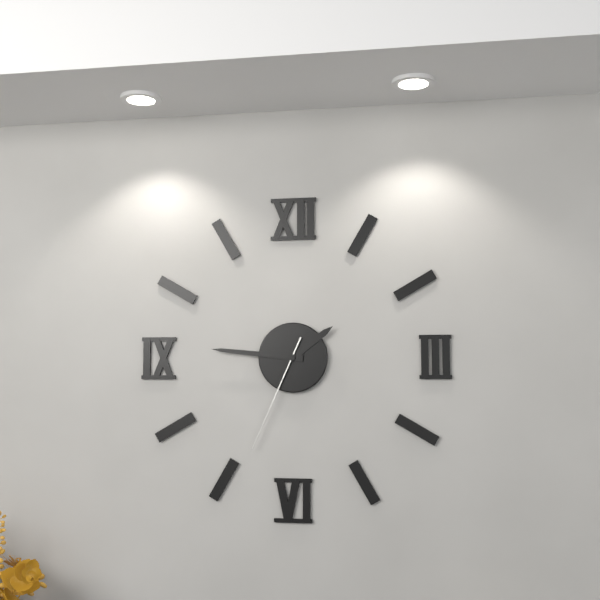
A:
1.46.34
